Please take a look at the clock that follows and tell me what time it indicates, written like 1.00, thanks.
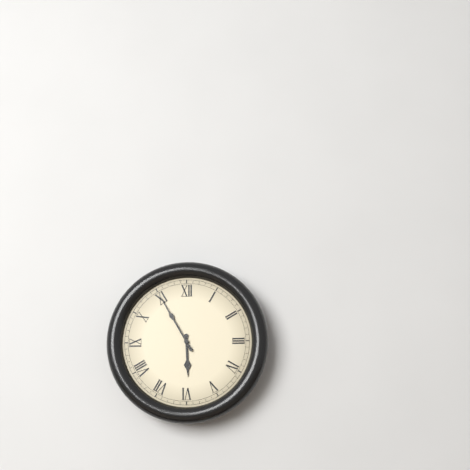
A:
5.55
